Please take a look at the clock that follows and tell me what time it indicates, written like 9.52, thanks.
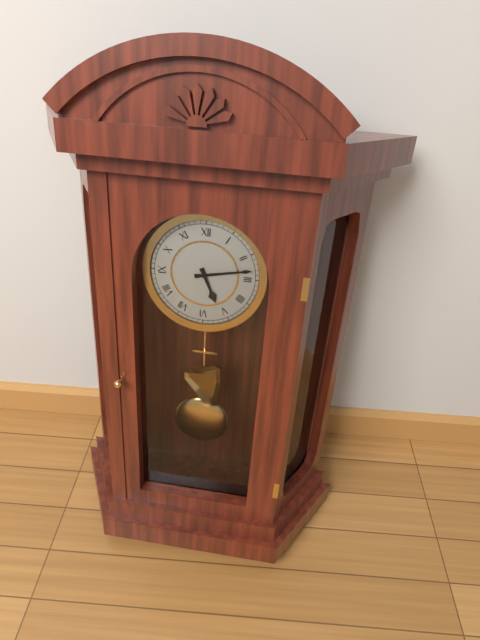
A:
5.13
